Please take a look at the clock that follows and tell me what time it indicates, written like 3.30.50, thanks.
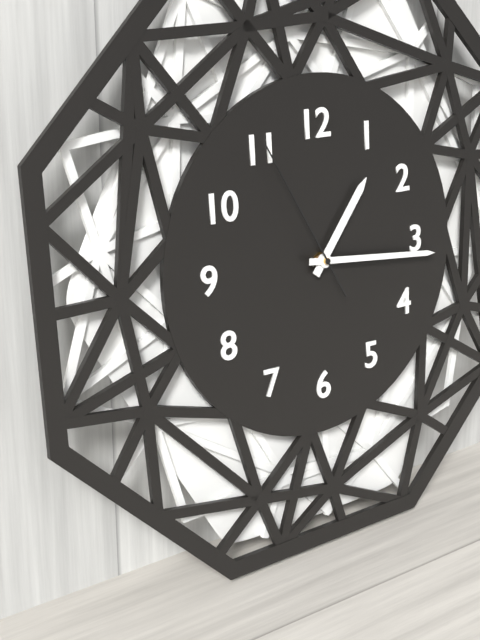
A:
1.16.55
